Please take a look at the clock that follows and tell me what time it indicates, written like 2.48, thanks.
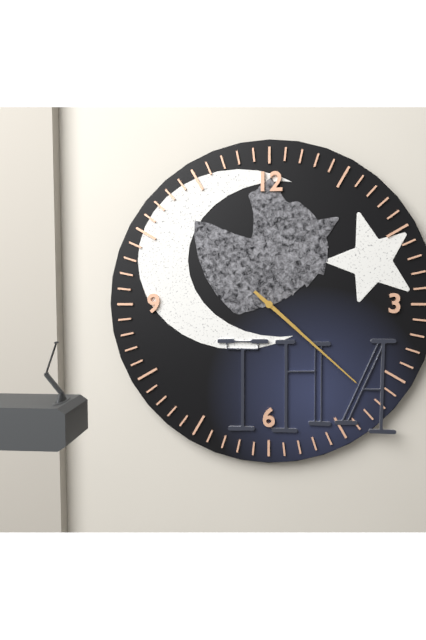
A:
4.22
